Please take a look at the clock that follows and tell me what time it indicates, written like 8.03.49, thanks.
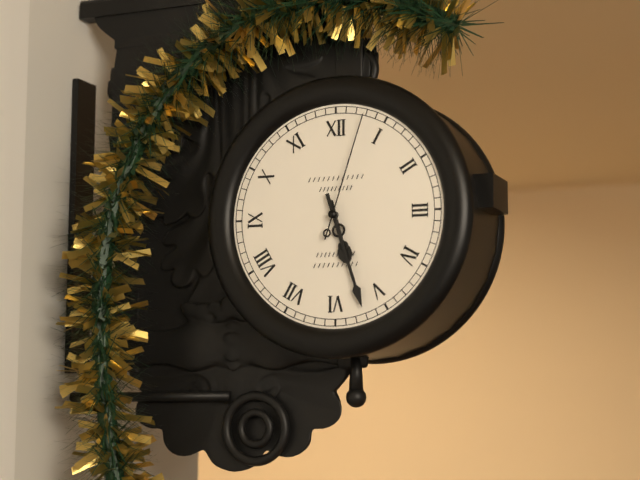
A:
5.27.03
